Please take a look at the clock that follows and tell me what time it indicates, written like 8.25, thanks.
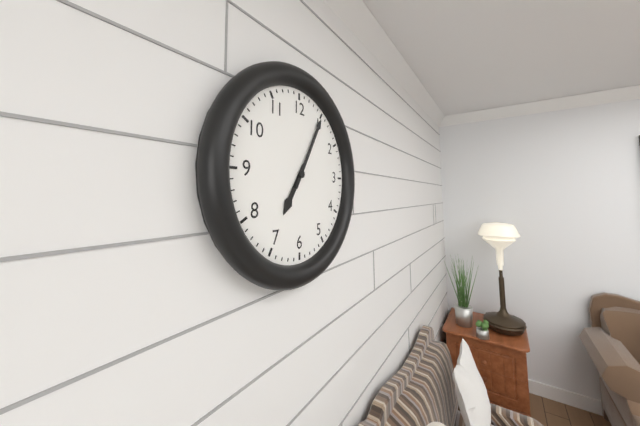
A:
7.05
